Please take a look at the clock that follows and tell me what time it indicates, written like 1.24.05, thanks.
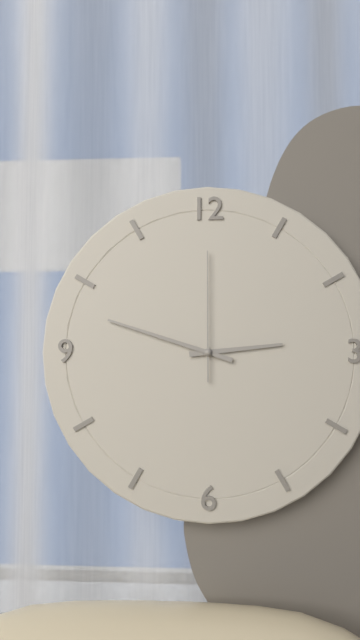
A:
2.48.00
